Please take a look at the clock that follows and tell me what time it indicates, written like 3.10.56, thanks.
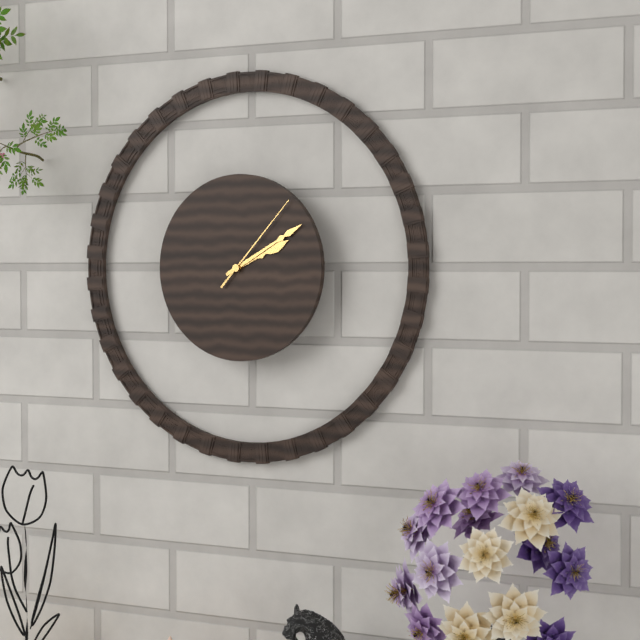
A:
2.10.07
